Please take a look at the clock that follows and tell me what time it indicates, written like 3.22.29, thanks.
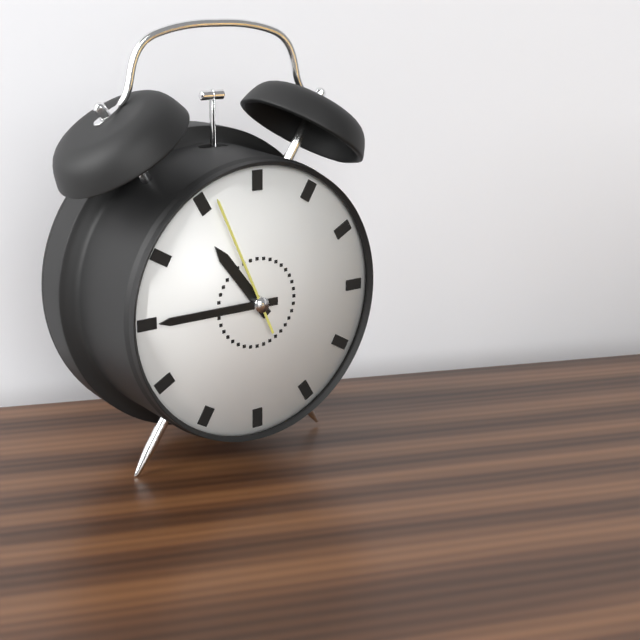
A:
10.45.56
